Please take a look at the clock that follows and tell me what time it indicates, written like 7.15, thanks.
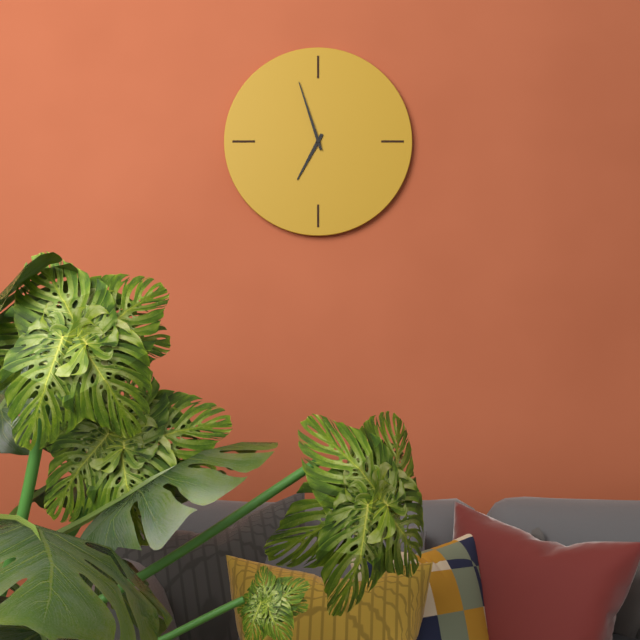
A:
6.57
